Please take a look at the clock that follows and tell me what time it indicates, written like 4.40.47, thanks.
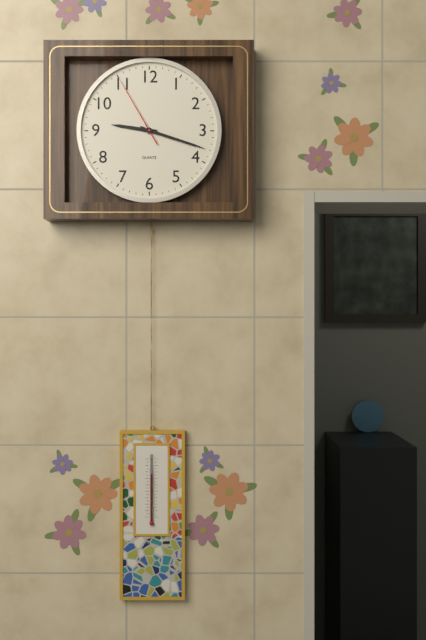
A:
9.18.55
